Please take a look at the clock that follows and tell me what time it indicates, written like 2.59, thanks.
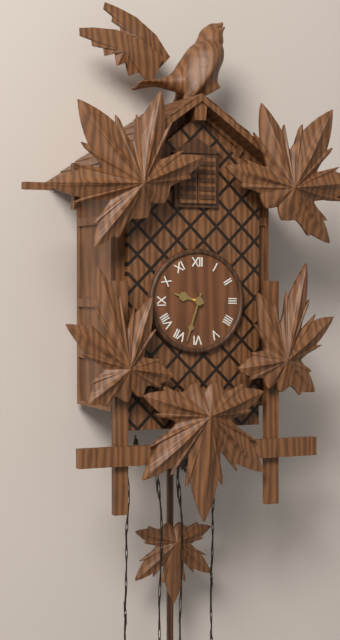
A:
9.33
